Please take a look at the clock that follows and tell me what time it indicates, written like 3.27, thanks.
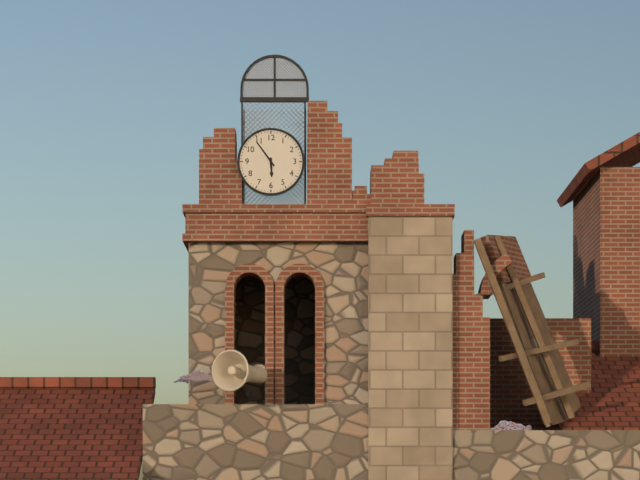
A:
5.54
